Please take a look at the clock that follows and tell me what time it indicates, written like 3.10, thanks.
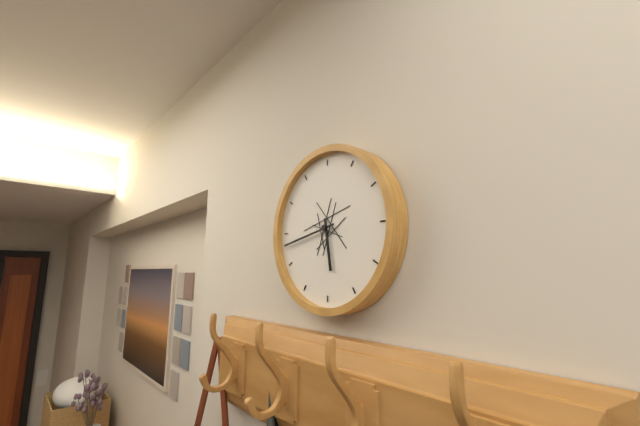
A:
5.43
